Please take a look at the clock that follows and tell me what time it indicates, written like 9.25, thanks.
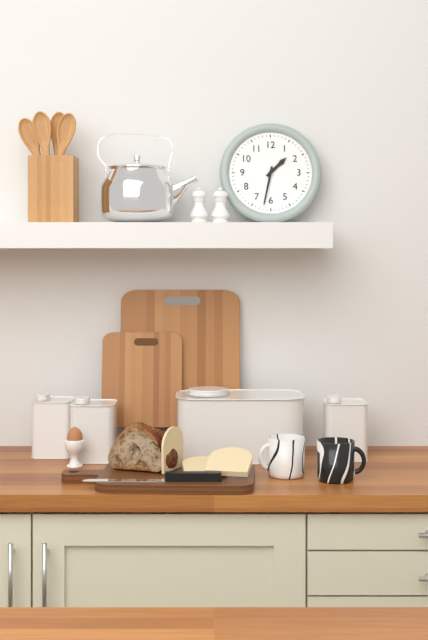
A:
1.32
